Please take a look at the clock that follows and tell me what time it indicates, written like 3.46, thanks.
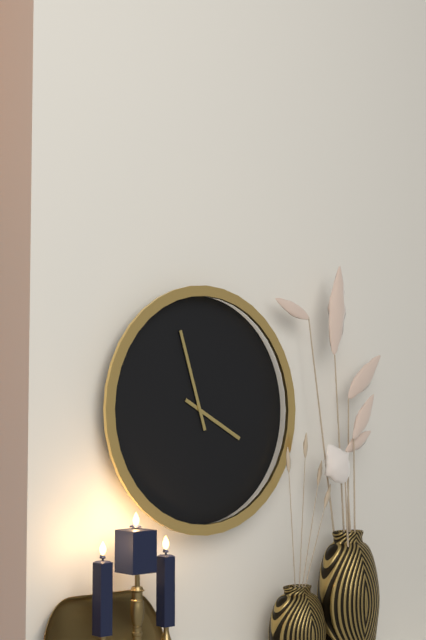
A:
3.57
